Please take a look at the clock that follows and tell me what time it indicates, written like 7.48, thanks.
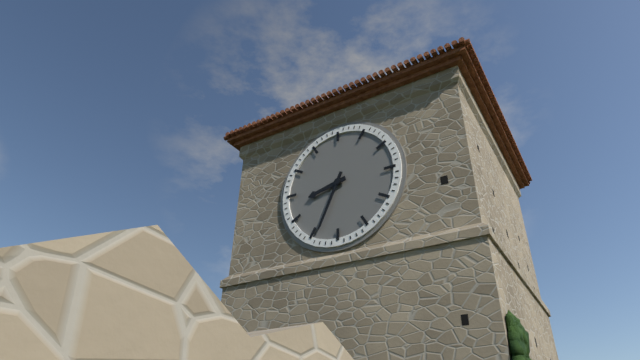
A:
8.34
